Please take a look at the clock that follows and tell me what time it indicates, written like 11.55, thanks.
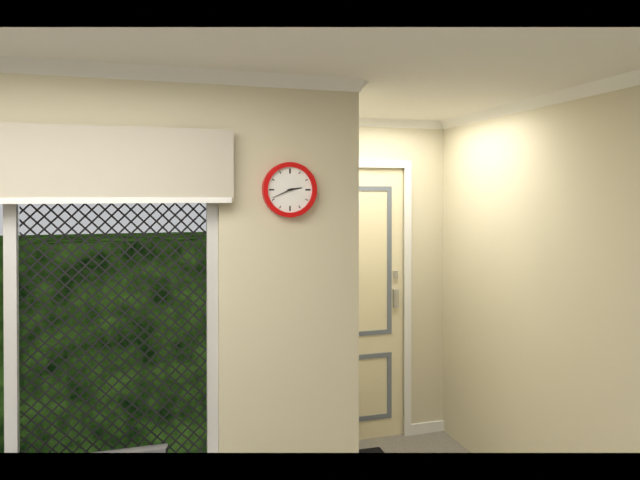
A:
2.41
